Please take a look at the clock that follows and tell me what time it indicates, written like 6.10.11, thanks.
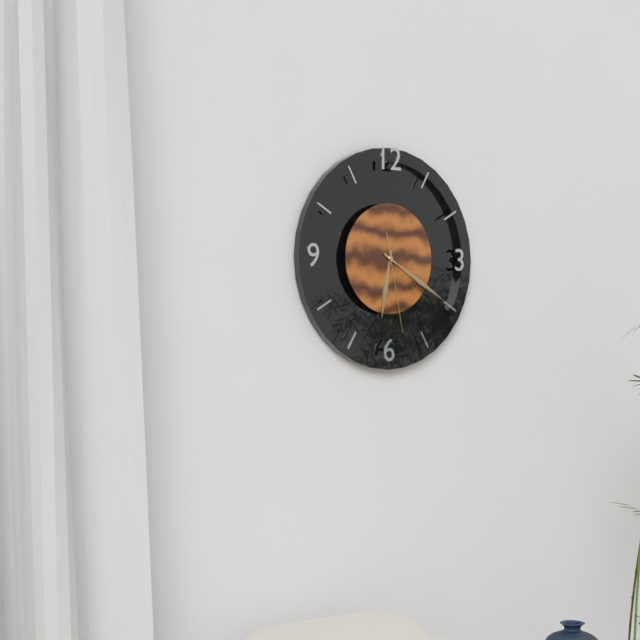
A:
6.20.28
